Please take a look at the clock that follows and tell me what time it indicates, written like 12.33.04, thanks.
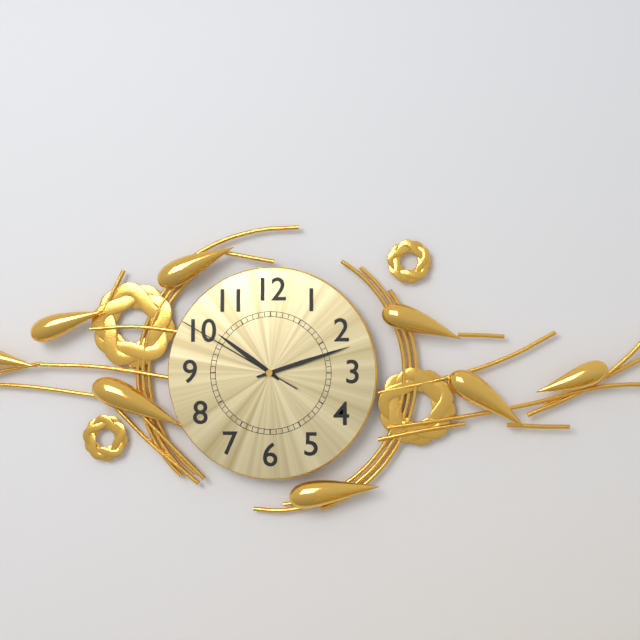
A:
10.12.50
